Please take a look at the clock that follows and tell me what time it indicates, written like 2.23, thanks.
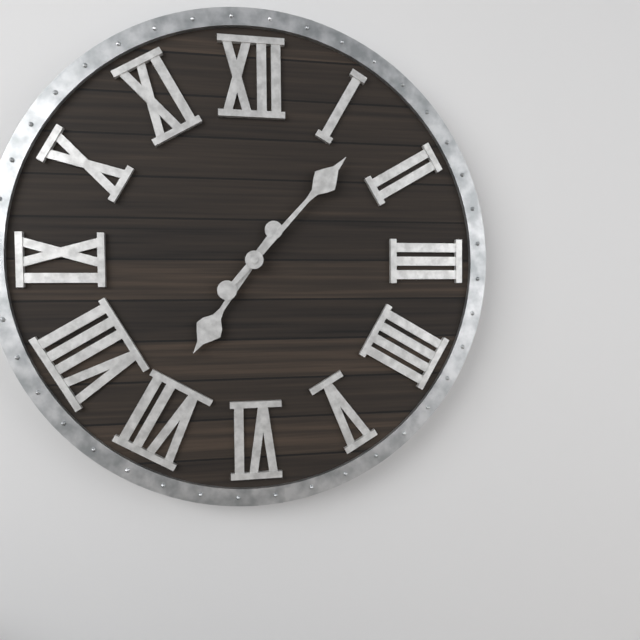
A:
7.07
